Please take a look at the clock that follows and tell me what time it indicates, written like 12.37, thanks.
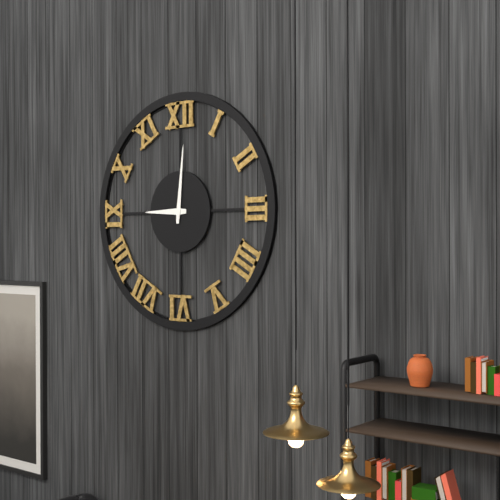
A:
9.01
